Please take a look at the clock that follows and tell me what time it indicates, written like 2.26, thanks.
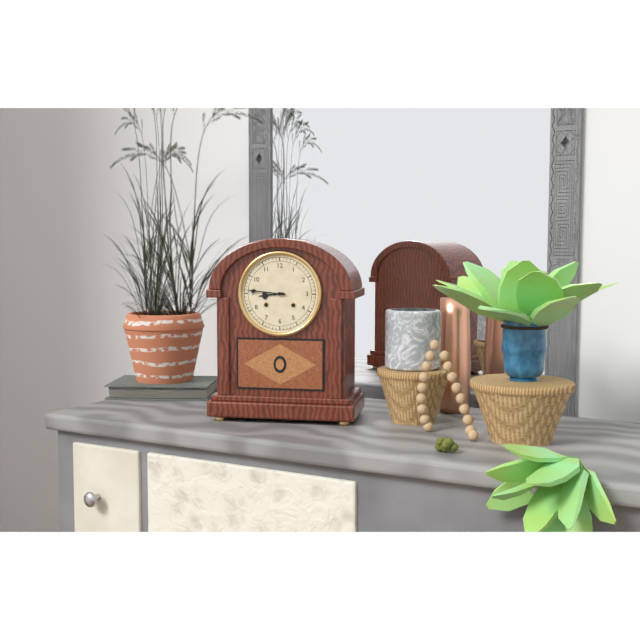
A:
8.46
